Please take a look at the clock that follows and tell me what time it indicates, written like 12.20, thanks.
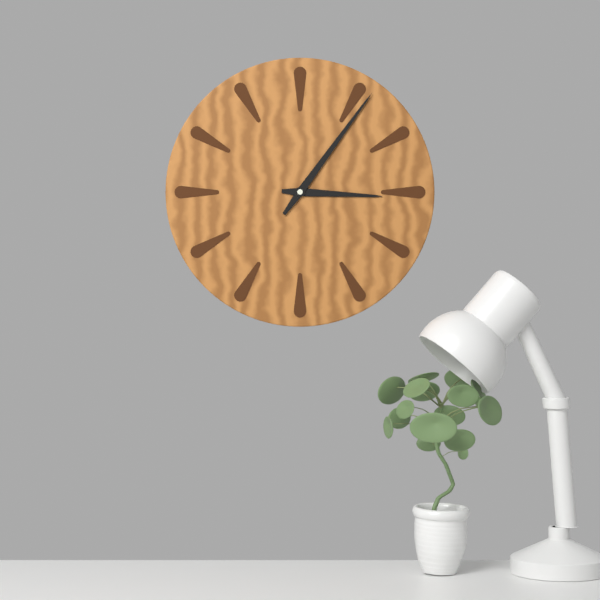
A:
3.06
